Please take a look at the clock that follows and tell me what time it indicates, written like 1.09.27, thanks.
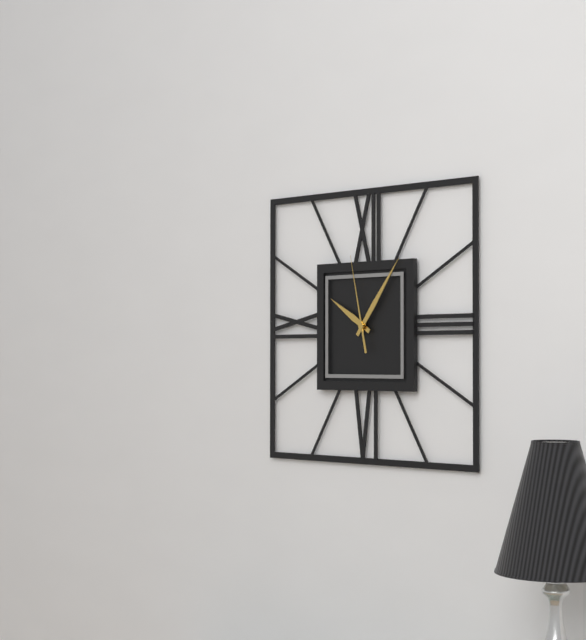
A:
10.06.58
